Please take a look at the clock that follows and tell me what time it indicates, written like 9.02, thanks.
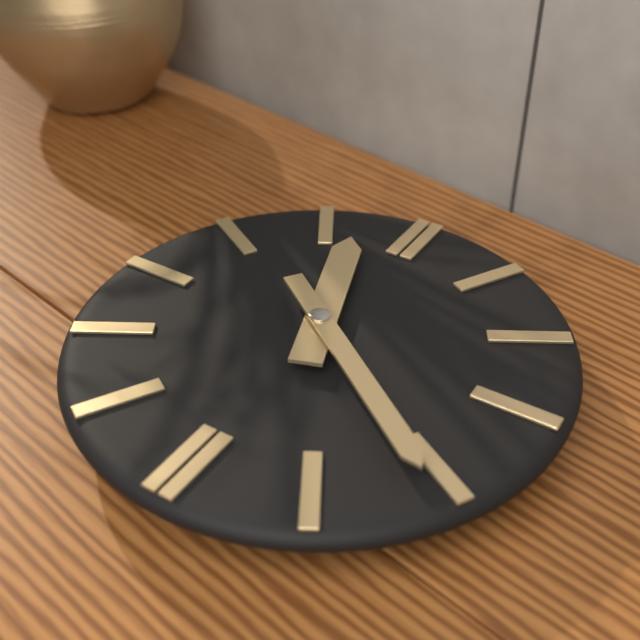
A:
11.21
